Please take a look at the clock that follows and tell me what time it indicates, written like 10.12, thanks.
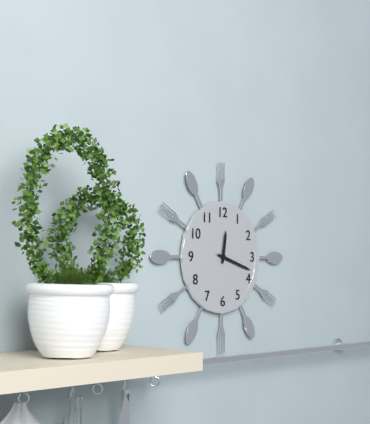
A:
12.18
